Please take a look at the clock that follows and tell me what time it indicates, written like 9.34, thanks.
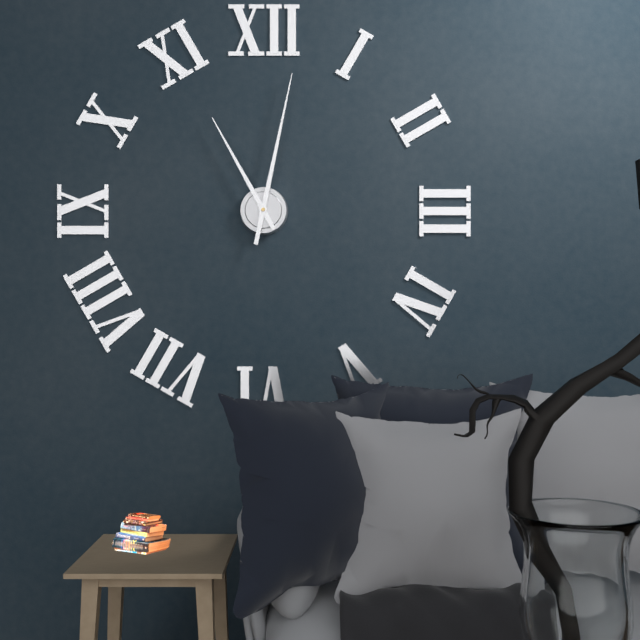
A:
11.02
